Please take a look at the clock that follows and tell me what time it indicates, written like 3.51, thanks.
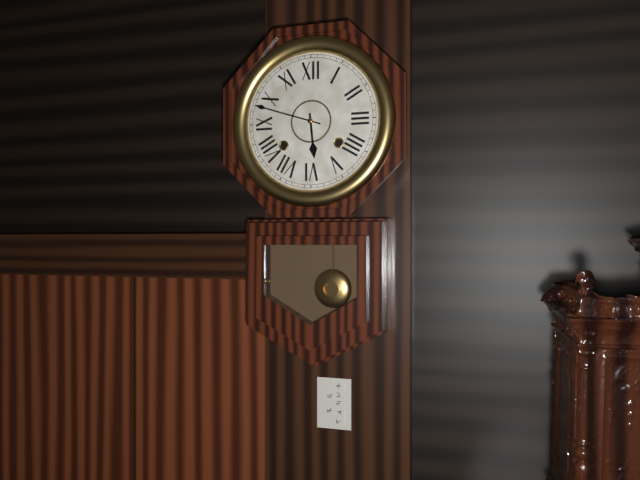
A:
5.48
